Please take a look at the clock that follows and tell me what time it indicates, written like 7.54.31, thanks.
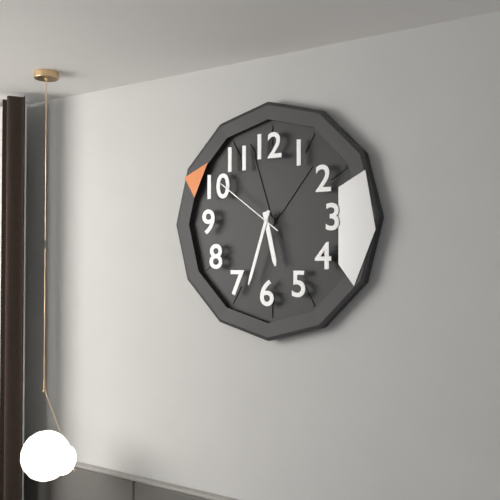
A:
5.33.51
